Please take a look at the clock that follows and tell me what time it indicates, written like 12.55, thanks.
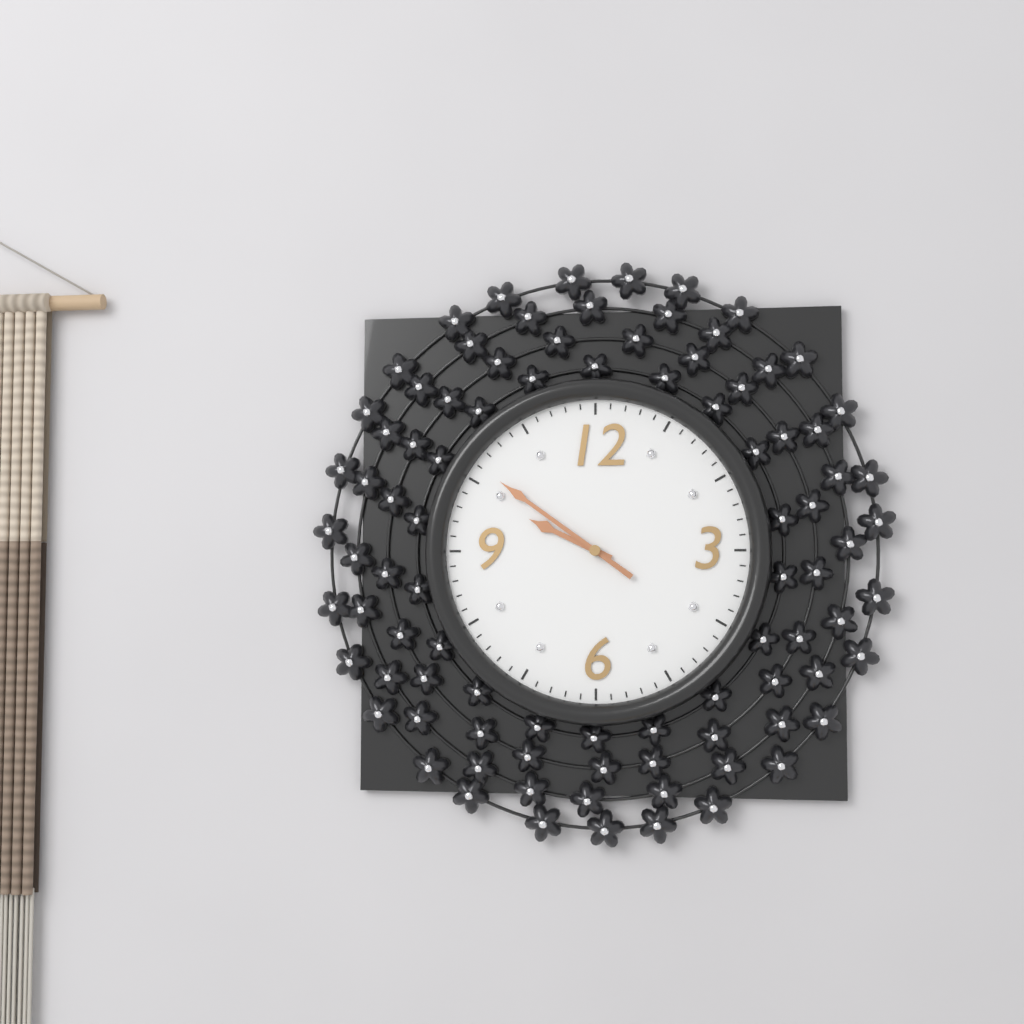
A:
9.51
